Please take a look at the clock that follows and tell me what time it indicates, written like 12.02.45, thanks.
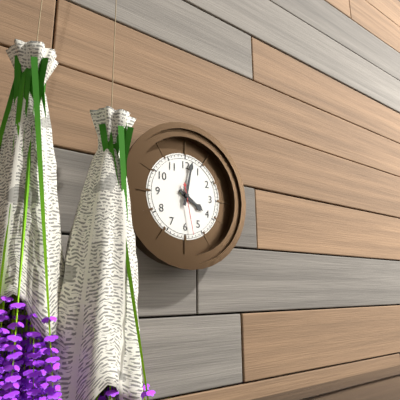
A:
4.02.28
